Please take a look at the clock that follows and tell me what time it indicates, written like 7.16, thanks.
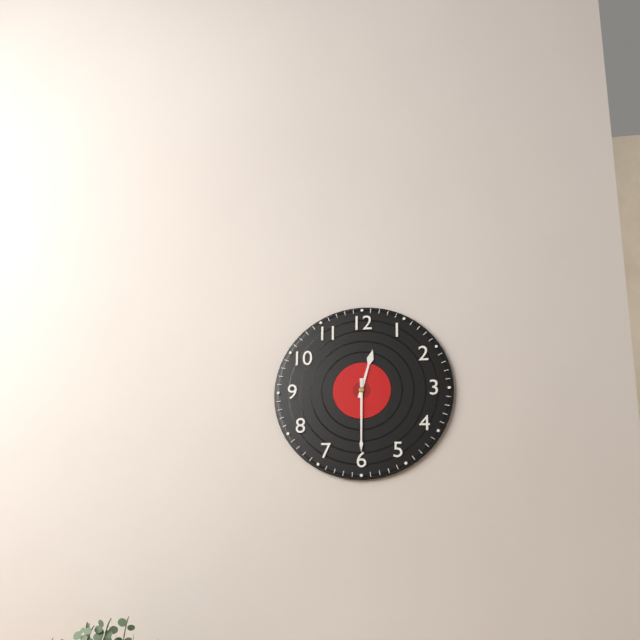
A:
12.30
